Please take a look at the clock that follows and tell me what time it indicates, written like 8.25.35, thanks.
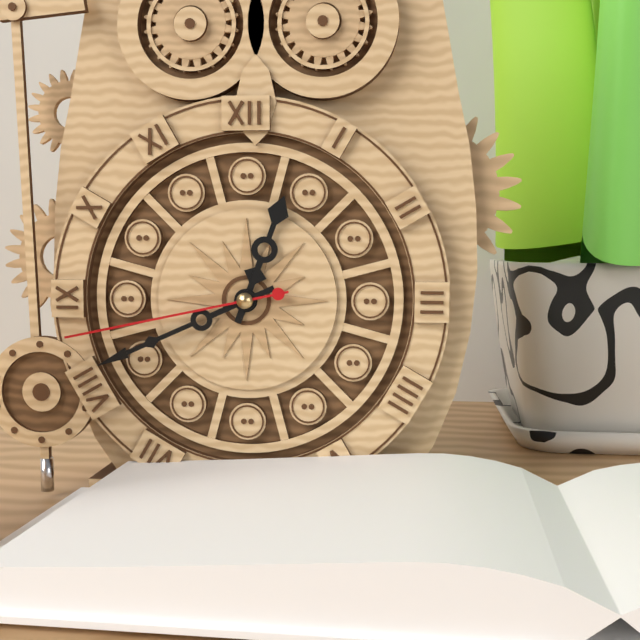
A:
12.41.43
